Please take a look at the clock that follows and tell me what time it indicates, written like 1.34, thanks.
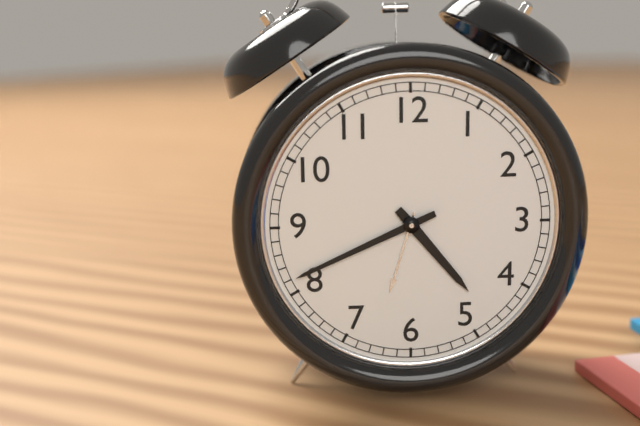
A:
4.41
